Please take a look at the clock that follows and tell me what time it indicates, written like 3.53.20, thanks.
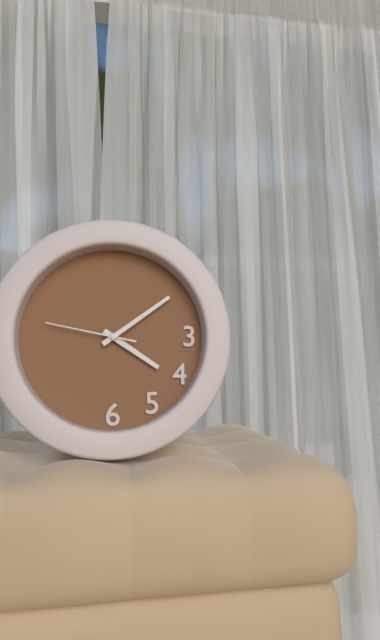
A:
4.09.47
